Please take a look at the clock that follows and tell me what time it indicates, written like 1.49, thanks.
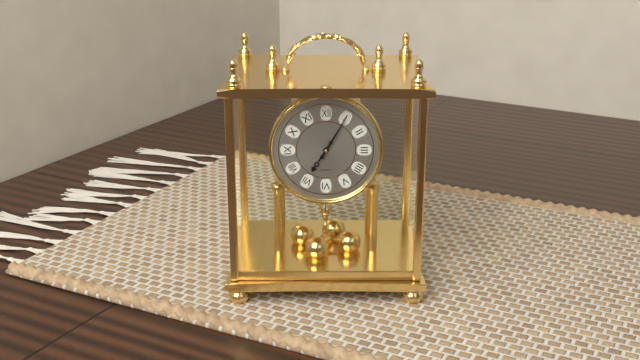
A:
7.05
